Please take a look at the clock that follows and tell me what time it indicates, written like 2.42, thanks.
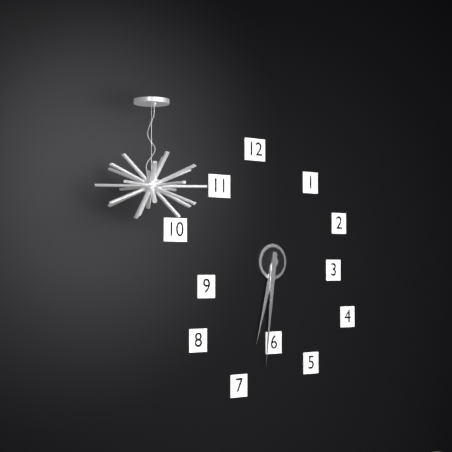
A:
6.31
